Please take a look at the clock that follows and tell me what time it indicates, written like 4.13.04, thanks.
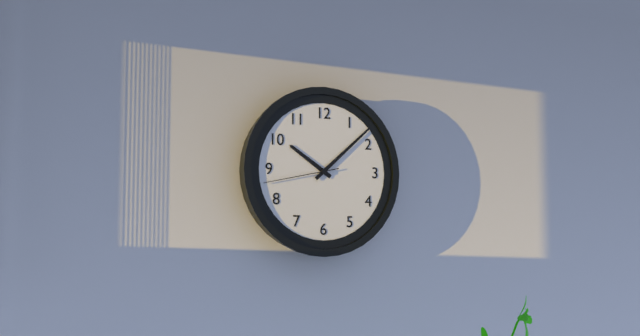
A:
10.08.43
